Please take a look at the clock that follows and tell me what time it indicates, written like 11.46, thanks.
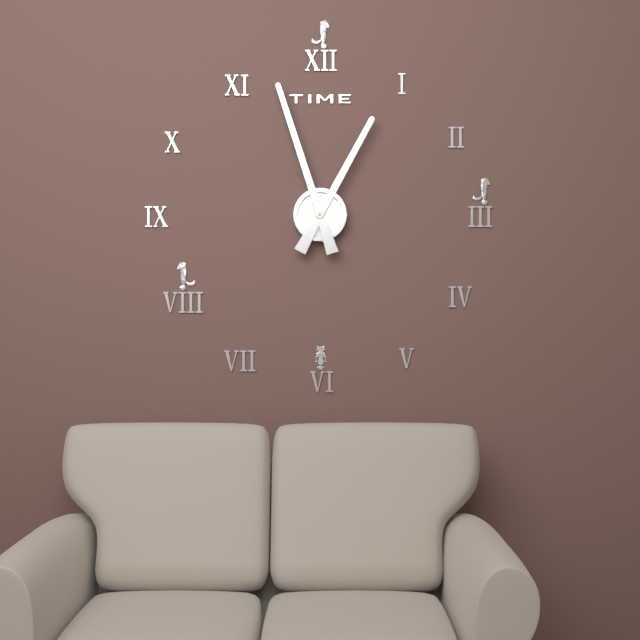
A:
12.57
